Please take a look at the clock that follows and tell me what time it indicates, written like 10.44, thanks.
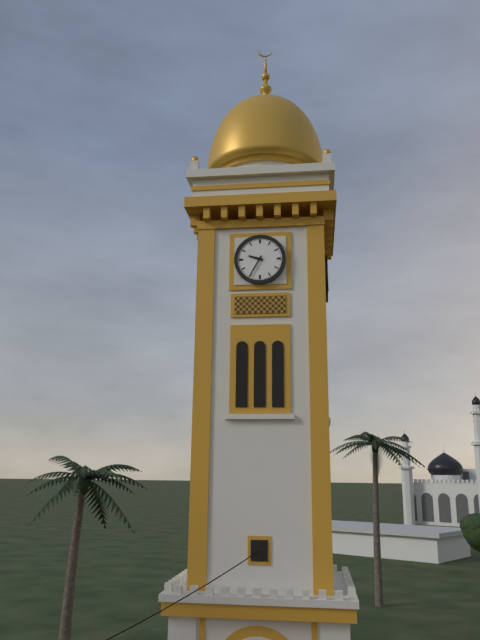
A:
9.35
